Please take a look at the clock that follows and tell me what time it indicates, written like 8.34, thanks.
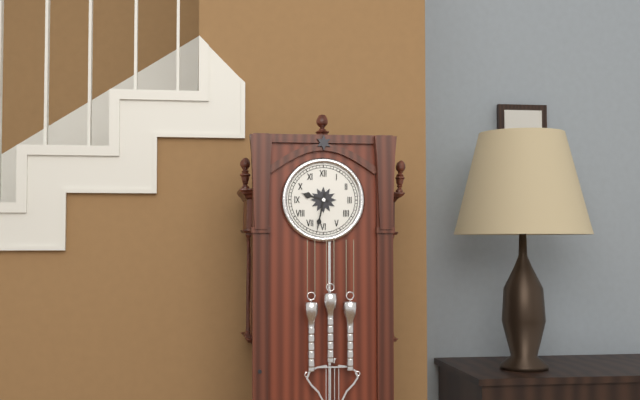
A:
9.32
